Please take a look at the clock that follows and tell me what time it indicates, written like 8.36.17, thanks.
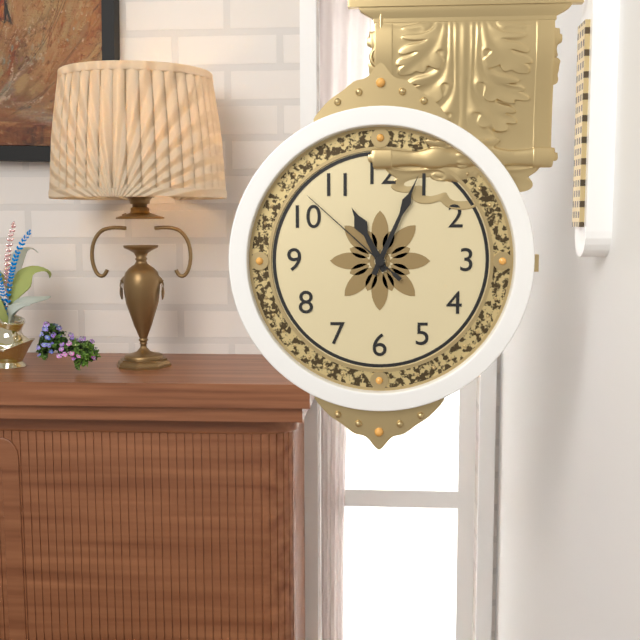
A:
11.04.52
